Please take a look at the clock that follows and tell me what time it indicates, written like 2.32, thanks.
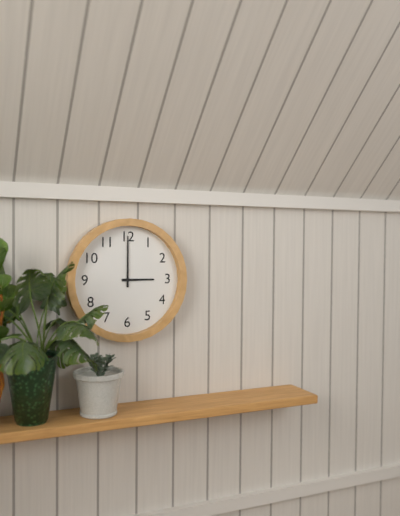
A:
3.00
